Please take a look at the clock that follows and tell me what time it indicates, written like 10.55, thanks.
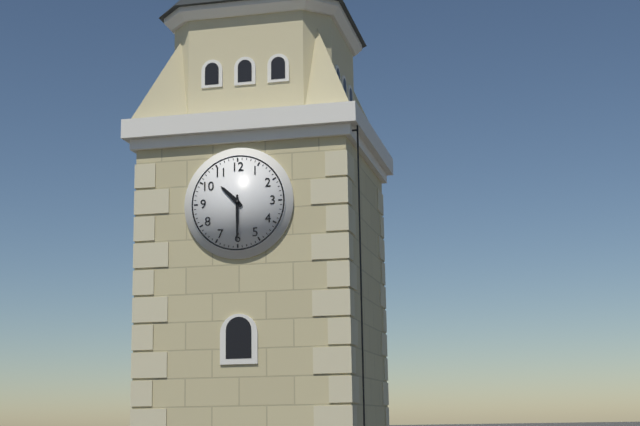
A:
10.30
